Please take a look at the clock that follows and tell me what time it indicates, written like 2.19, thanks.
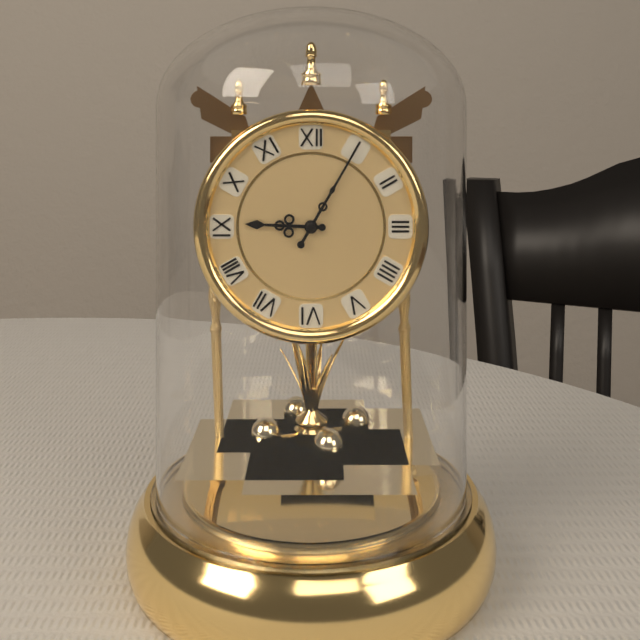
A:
9.05
